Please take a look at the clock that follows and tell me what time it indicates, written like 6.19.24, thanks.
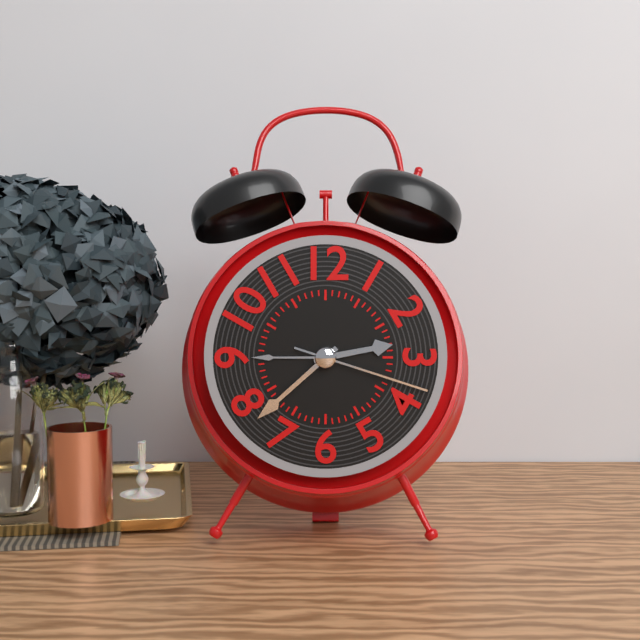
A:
2.38.18
